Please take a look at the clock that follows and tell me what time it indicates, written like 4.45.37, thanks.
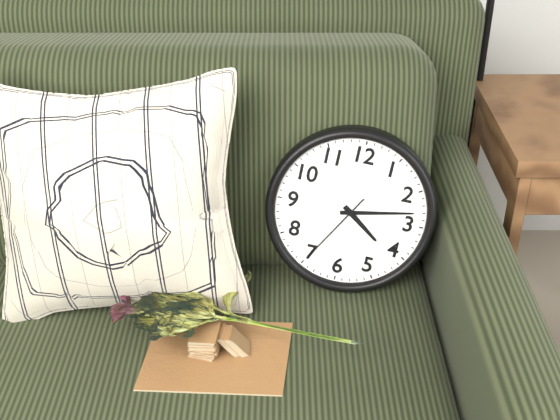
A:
4.13.35
